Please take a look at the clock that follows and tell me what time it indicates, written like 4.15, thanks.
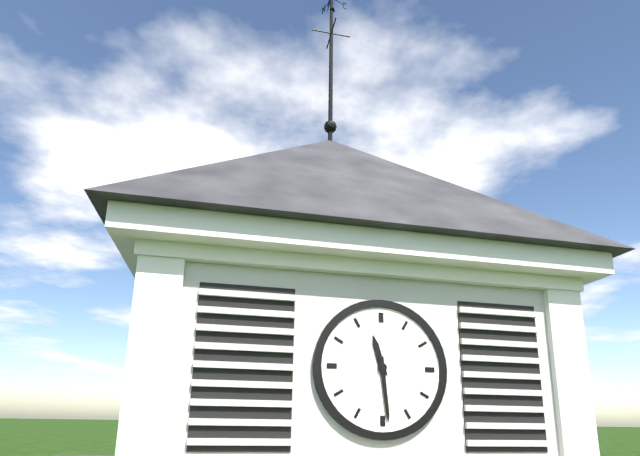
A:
11.29
